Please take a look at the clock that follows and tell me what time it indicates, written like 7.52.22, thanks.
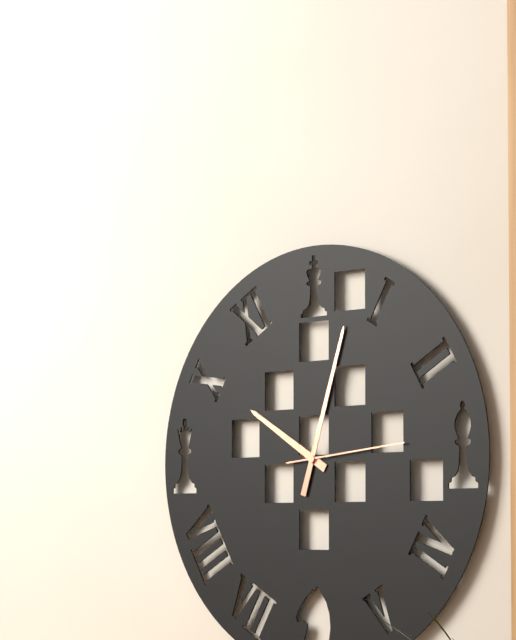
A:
10.03.14
